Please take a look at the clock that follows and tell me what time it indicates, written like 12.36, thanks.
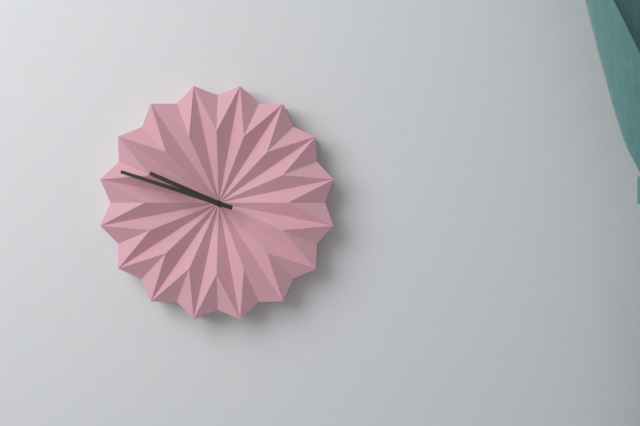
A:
9.48
